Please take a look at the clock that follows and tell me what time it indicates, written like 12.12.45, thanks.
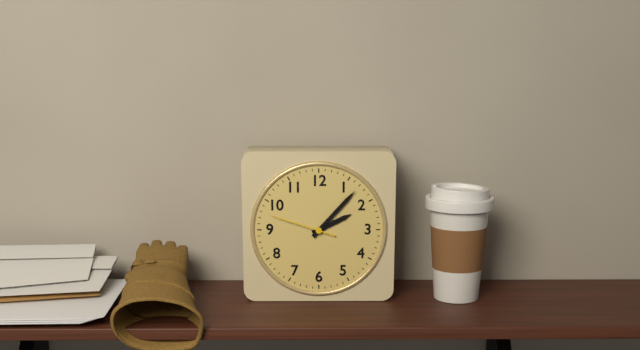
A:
2.07.48
